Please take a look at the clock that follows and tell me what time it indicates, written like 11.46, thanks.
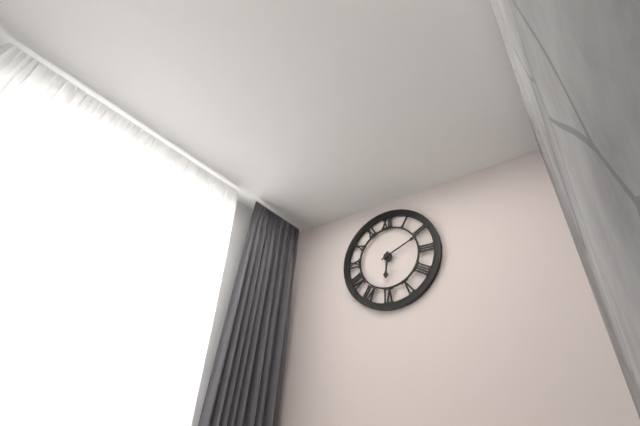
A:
6.11
